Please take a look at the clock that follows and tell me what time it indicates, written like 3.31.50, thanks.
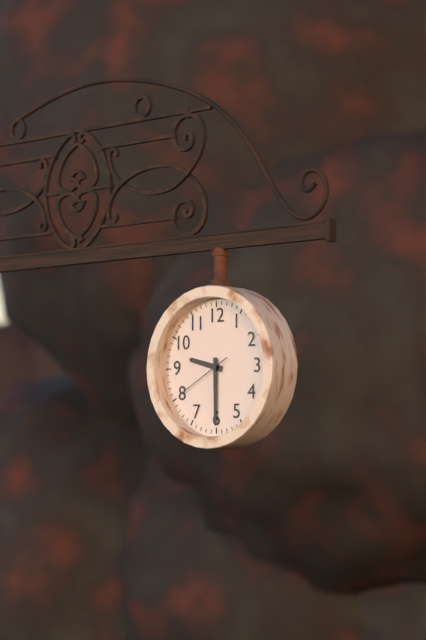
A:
9.30.40
